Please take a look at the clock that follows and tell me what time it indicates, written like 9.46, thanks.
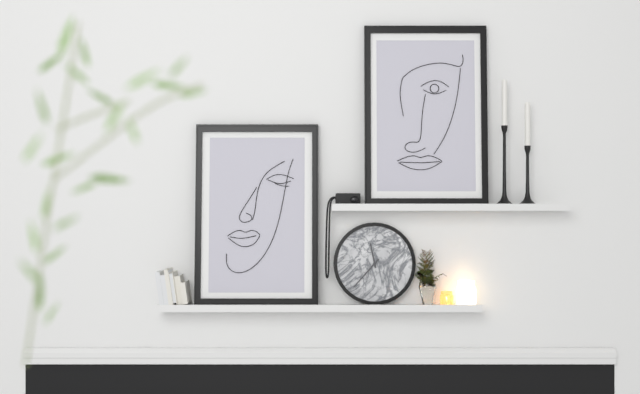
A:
11.37
